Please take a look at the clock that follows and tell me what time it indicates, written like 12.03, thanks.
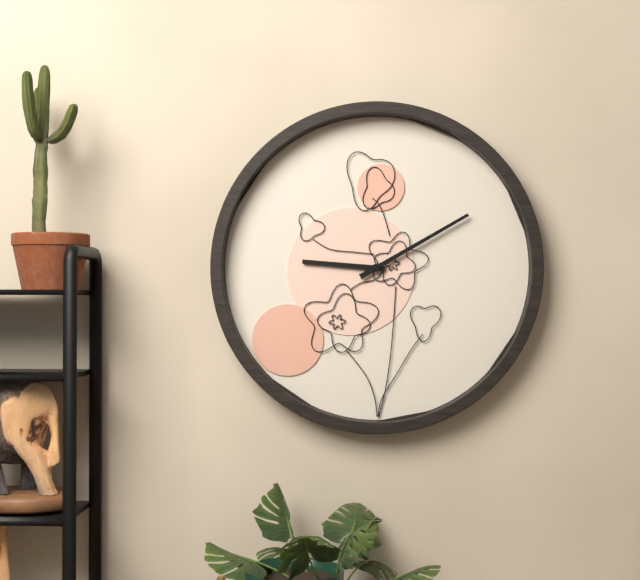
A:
9.10
